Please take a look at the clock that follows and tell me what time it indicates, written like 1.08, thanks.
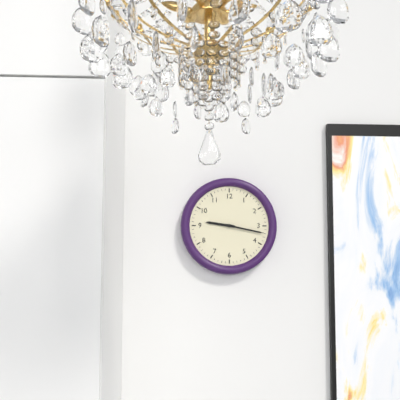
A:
9.17
